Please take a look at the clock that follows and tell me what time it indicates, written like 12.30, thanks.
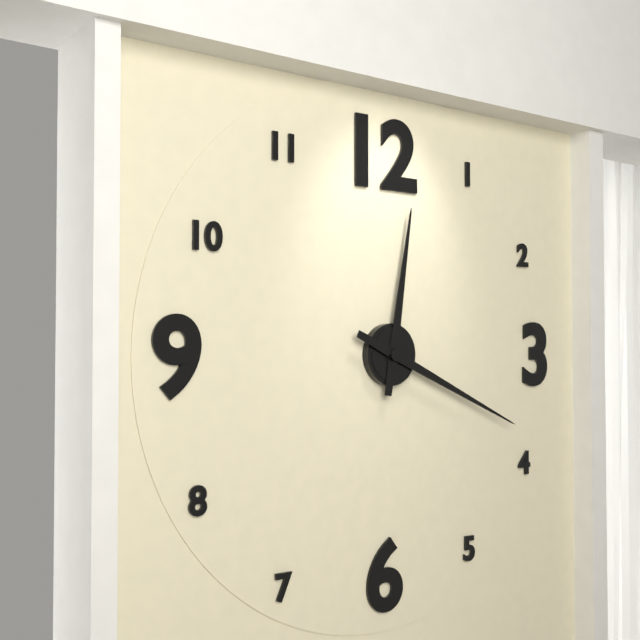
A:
12.19
